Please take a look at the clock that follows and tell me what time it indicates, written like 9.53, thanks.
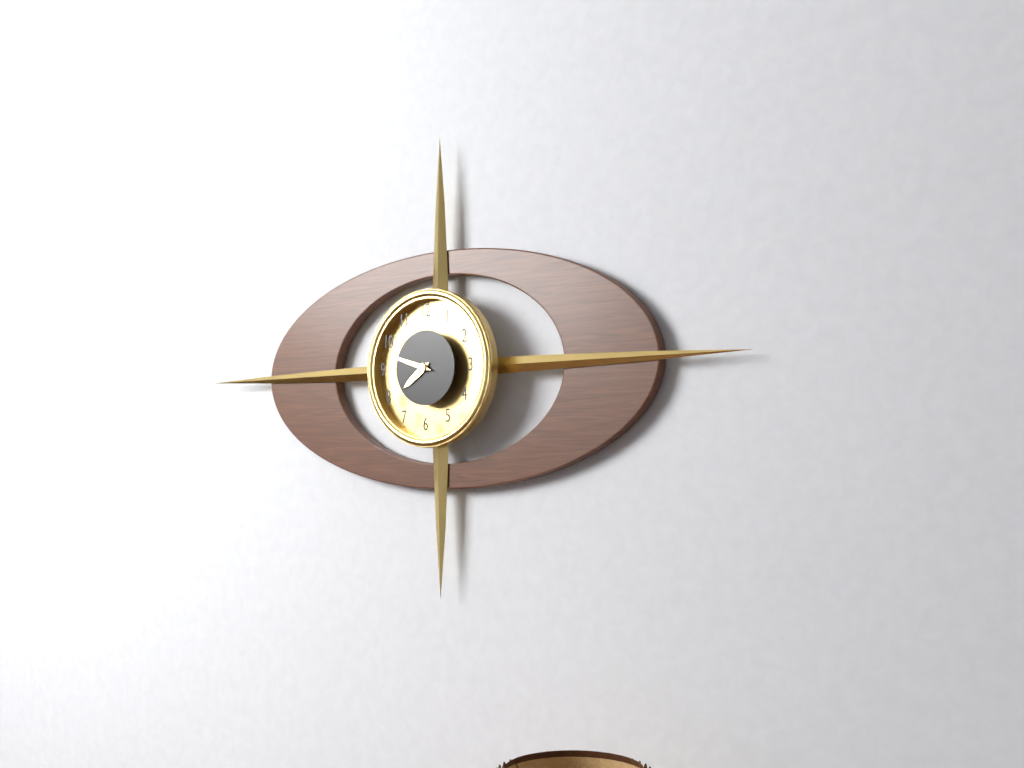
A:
7.48
